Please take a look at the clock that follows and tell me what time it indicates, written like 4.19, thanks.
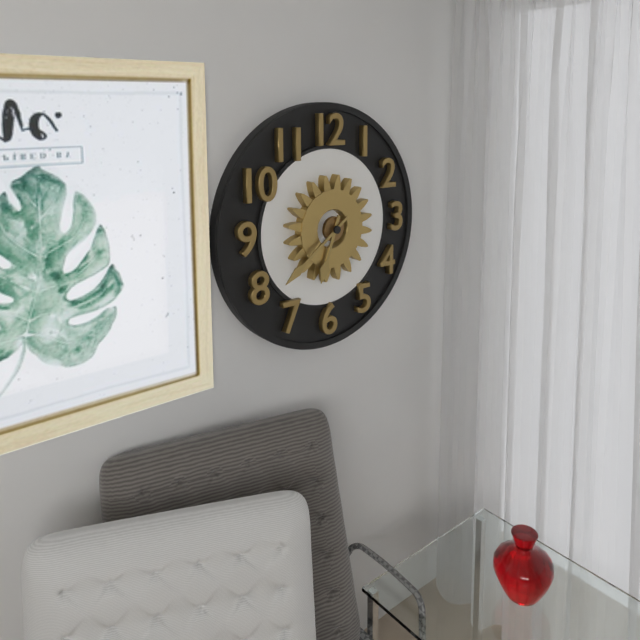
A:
6.39
